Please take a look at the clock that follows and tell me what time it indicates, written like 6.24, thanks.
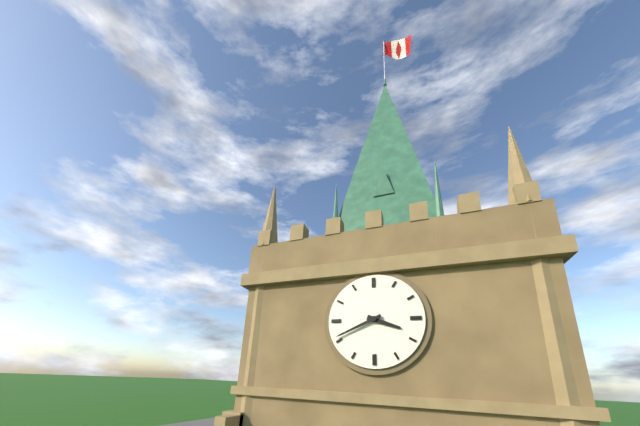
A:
3.41
